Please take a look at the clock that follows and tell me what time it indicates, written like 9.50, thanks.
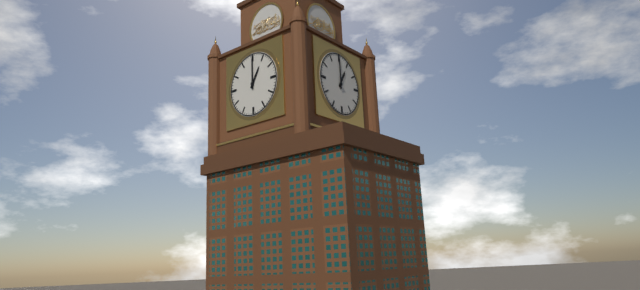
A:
1.00
